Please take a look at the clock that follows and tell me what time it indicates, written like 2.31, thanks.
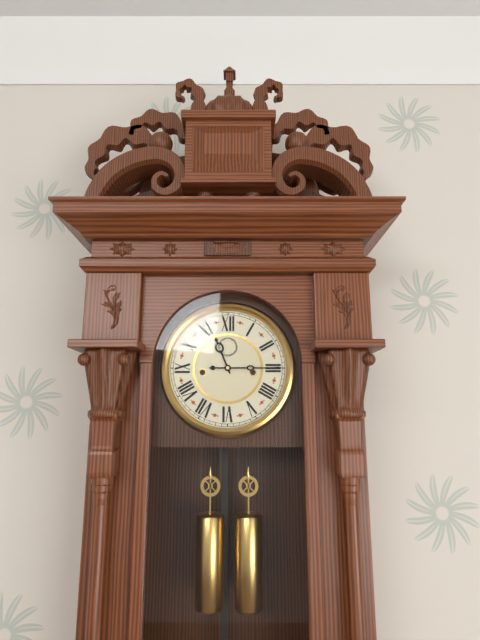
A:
11.15
